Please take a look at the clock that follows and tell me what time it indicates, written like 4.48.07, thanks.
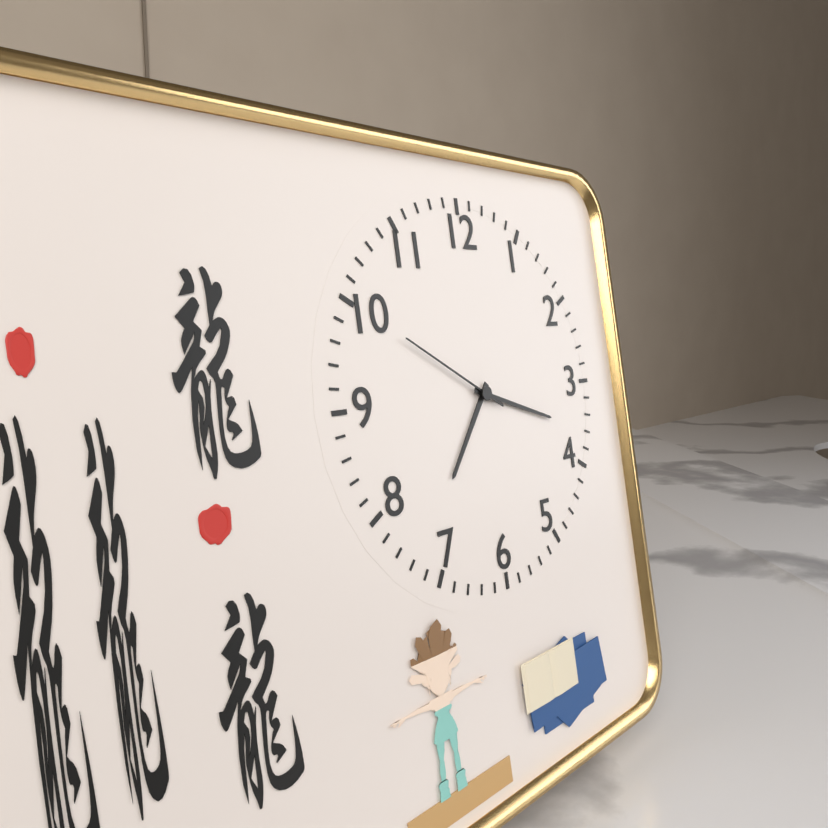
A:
7.18.50
